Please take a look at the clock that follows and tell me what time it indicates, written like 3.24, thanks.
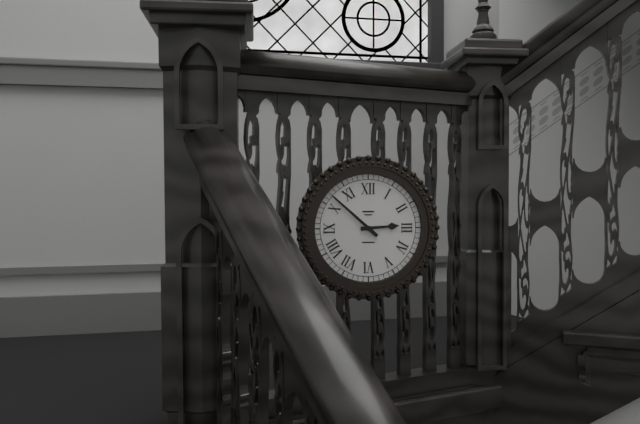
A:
2.52
